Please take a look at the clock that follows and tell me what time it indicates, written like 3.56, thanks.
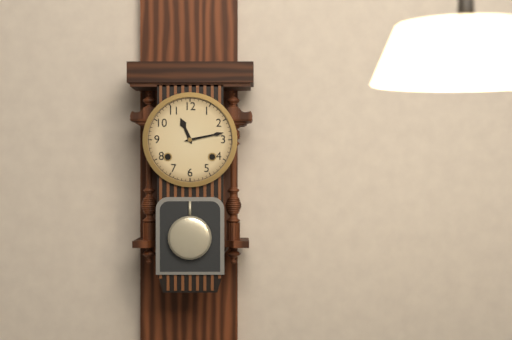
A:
11.13
